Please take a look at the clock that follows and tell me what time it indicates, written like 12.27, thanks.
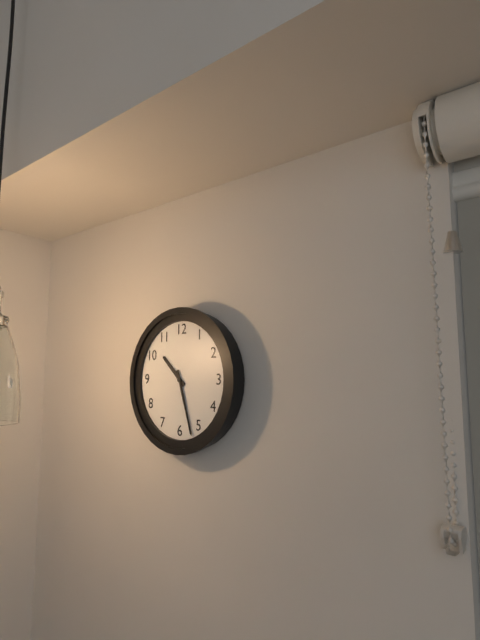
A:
10.27
